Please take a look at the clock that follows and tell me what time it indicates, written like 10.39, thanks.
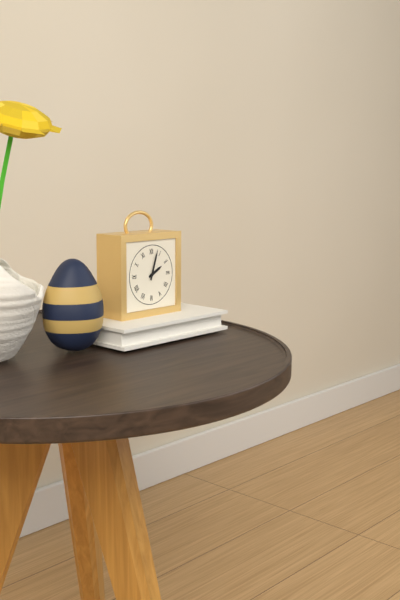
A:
2.03
